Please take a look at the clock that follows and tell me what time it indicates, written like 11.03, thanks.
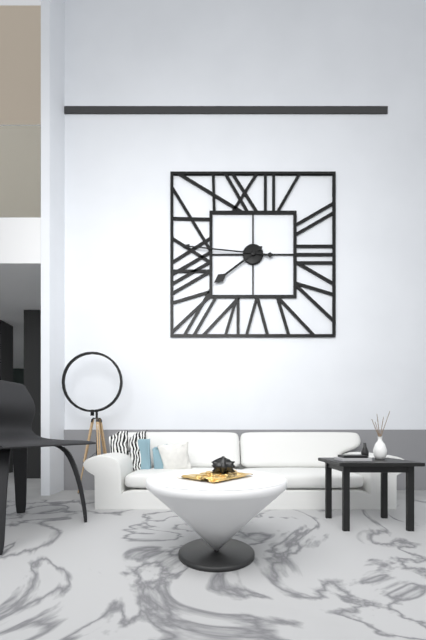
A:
7.46
